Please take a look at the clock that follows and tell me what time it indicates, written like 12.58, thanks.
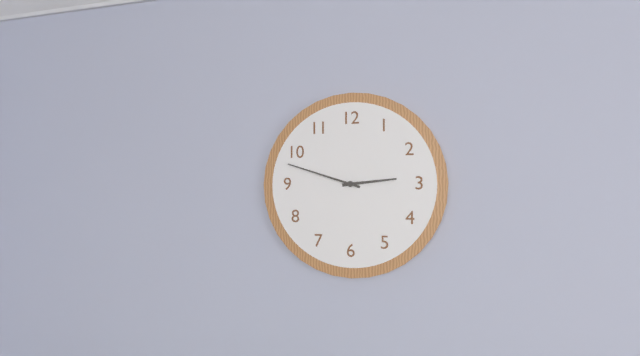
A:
2.48
